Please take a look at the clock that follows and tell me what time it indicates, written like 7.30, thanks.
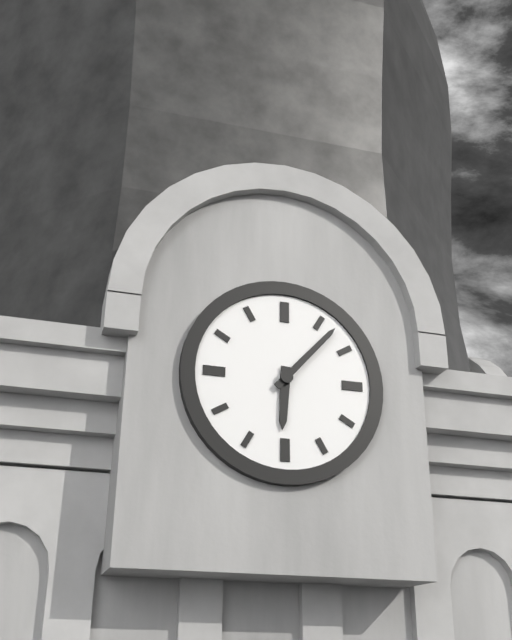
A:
6.07
